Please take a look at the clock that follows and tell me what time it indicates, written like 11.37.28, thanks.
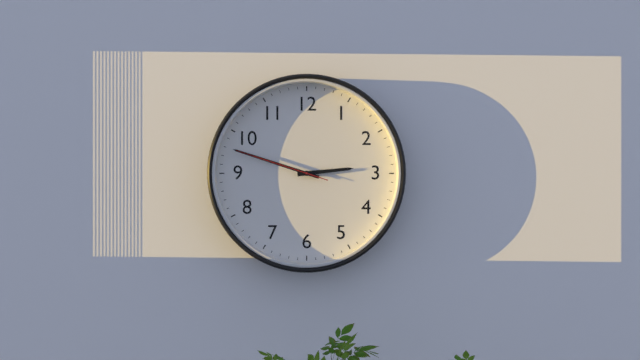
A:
2.48.48
